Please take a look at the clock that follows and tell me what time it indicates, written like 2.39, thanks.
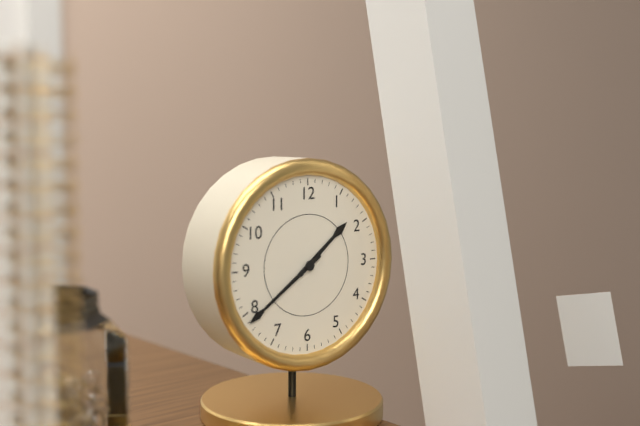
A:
1.39
